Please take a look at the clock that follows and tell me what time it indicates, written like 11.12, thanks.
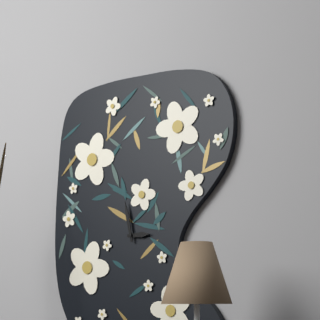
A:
2.58
